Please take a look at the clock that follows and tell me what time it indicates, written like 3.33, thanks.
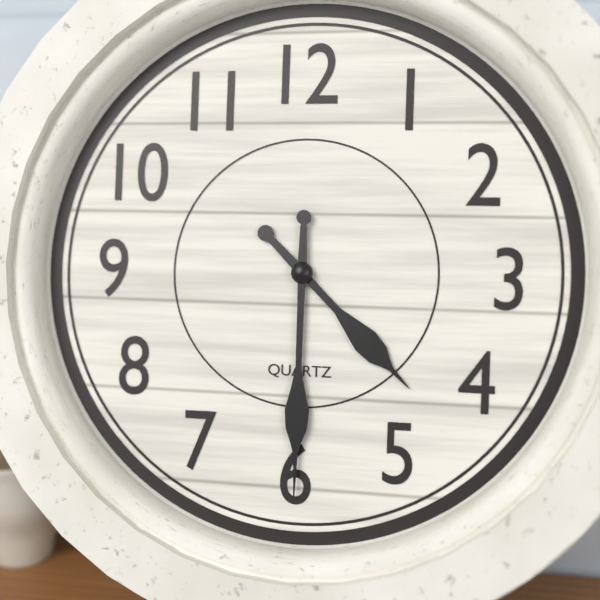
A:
4.30
